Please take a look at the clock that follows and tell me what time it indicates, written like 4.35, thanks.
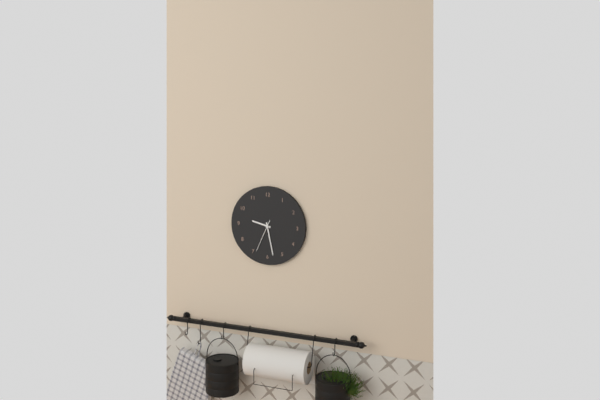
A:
9.28
